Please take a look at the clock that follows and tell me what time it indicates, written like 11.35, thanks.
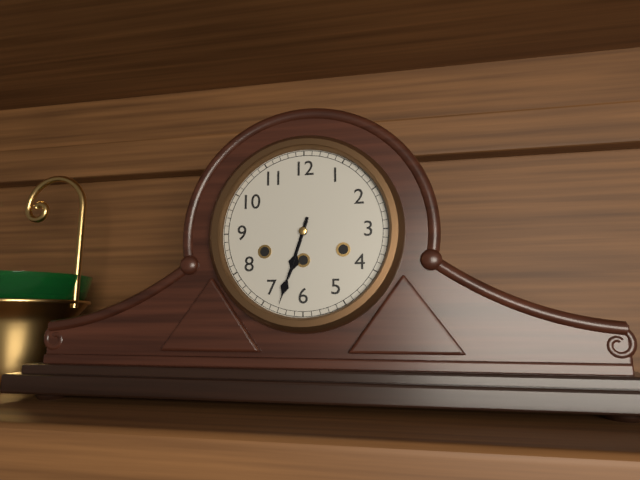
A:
6.33
